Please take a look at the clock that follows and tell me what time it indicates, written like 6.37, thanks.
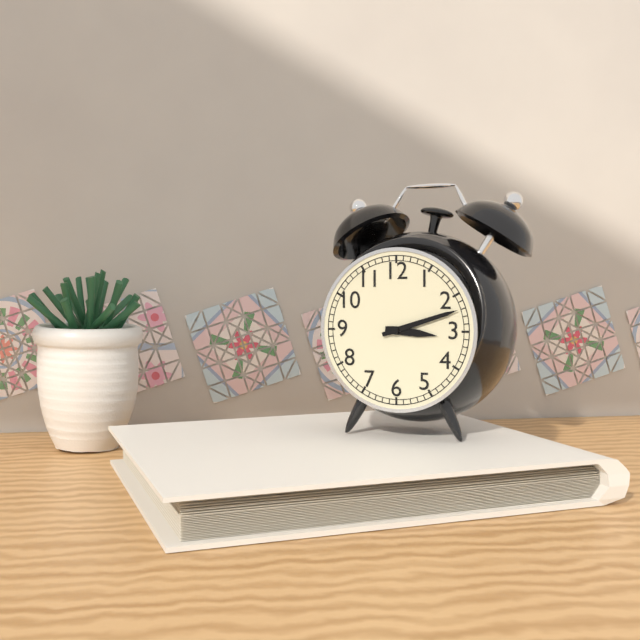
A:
3.12
